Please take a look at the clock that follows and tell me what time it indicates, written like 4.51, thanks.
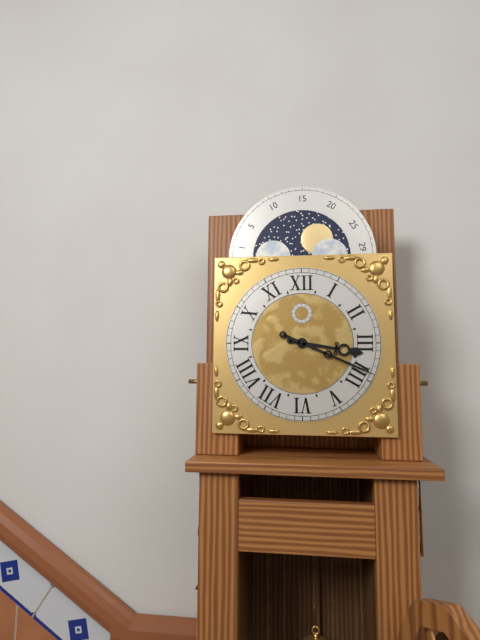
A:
3.19
